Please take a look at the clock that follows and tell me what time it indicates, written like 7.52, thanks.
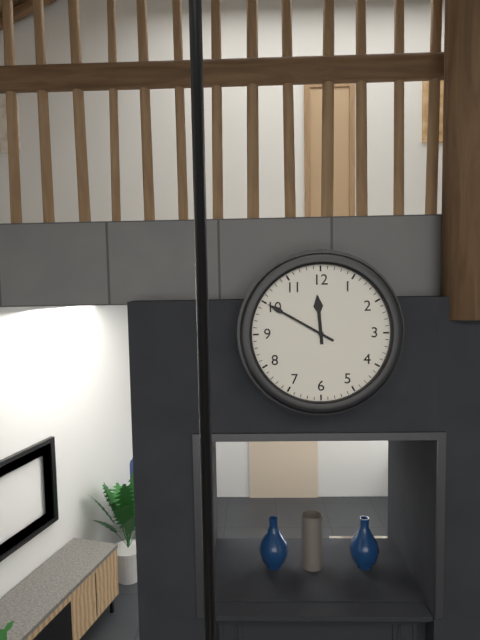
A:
11.50
